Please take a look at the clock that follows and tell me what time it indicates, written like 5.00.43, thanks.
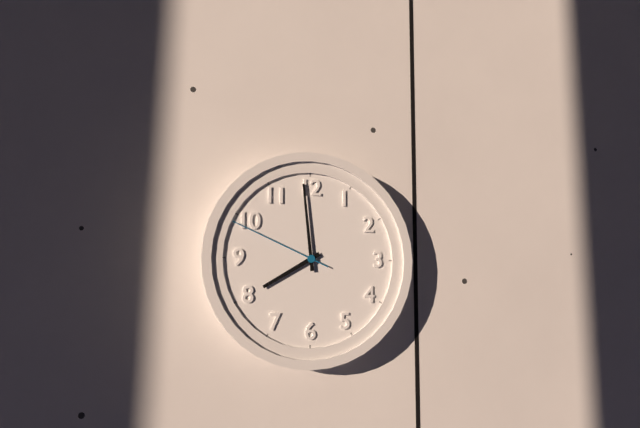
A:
7.59.49
